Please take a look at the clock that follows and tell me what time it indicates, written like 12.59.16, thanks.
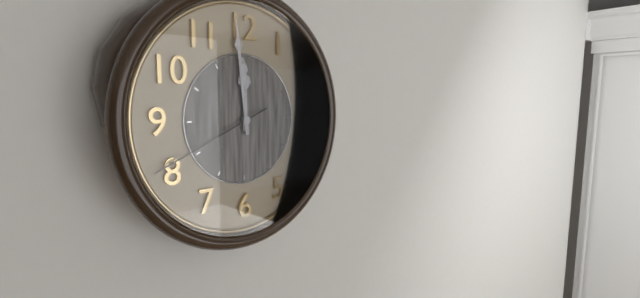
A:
11.59.41
